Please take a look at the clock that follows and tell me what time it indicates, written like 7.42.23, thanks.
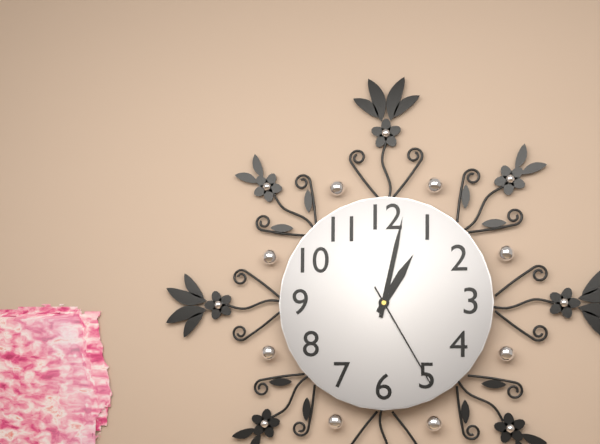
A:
1.02.25
